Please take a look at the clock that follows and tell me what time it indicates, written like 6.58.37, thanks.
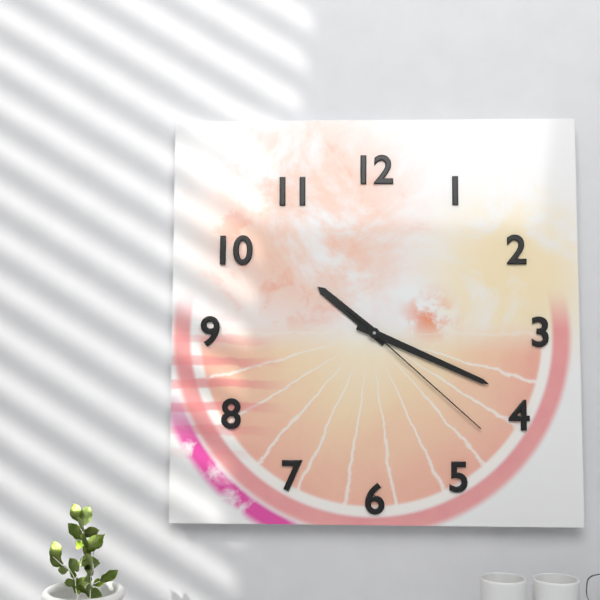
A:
10.19.22
